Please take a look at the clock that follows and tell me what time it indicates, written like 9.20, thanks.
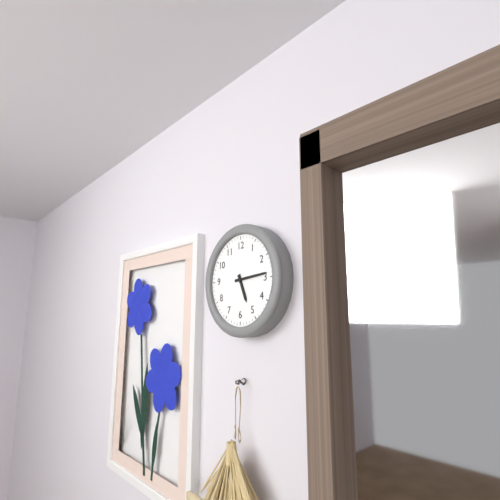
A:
5.14
